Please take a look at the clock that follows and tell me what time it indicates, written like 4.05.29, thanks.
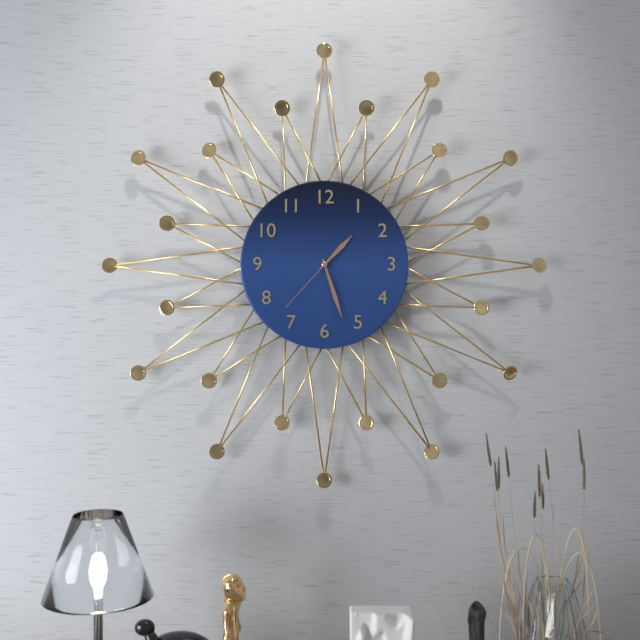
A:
1.27.37
